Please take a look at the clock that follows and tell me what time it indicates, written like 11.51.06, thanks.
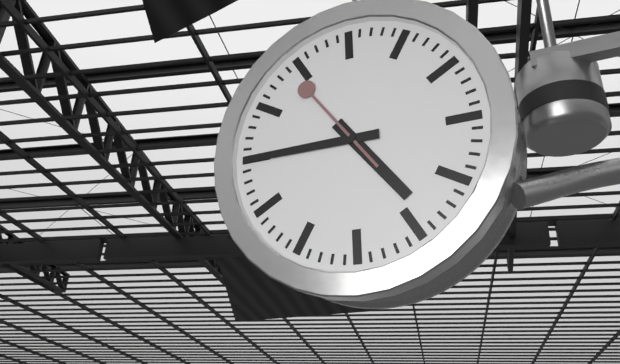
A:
4.45.54
